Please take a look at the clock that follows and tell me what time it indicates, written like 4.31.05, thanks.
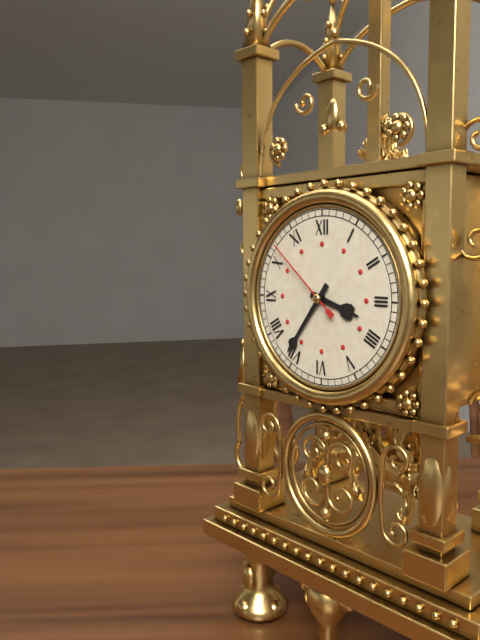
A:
3.36.52
